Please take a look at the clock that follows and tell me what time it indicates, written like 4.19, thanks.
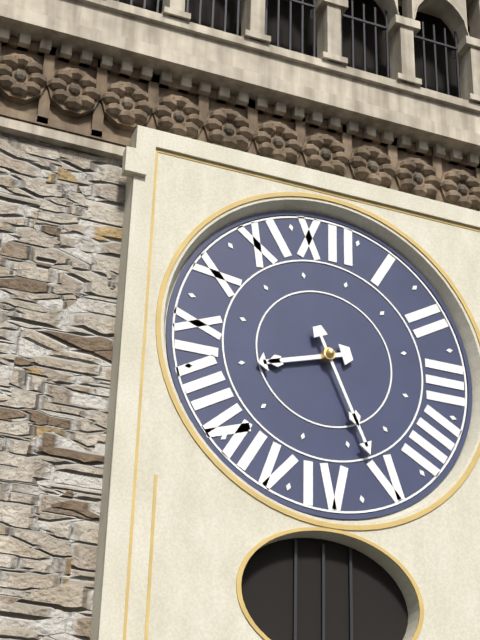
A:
8.26
